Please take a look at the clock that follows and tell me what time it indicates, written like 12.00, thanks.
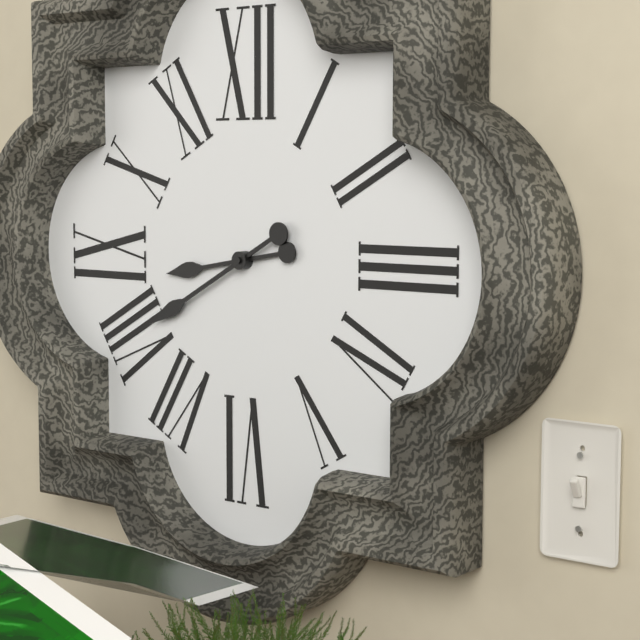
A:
8.40
